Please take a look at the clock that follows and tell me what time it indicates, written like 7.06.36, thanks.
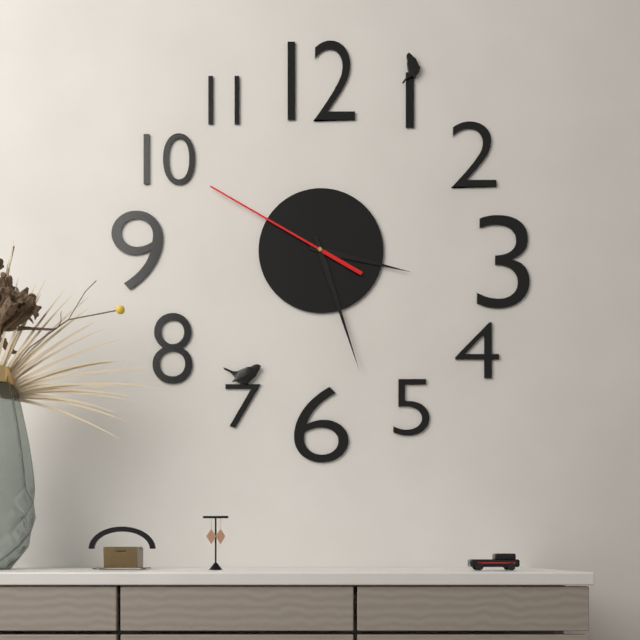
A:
3.27.50
